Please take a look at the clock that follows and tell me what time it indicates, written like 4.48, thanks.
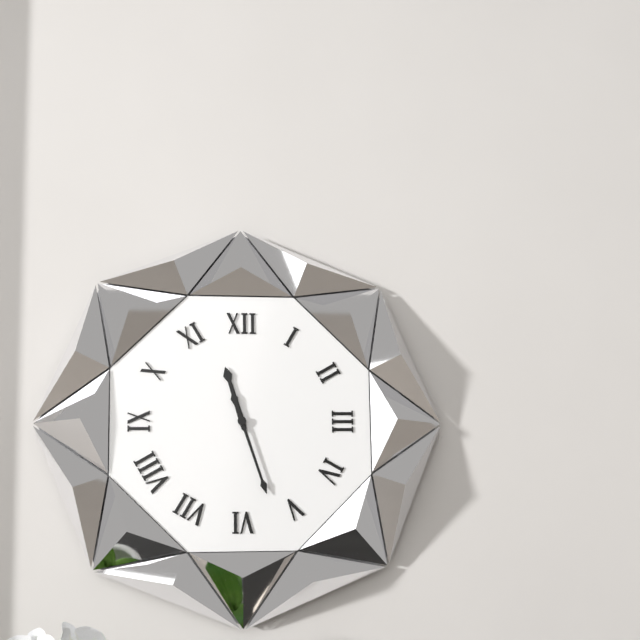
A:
11.27
